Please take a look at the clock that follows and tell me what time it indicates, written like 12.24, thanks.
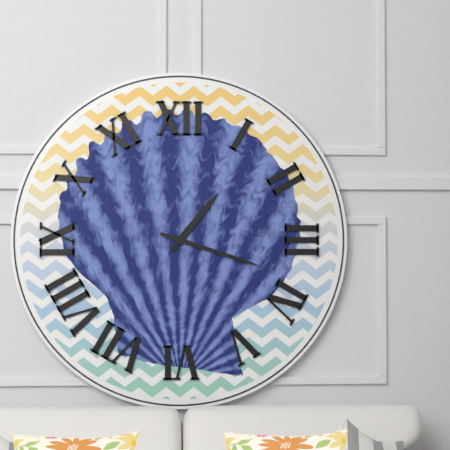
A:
1.18
